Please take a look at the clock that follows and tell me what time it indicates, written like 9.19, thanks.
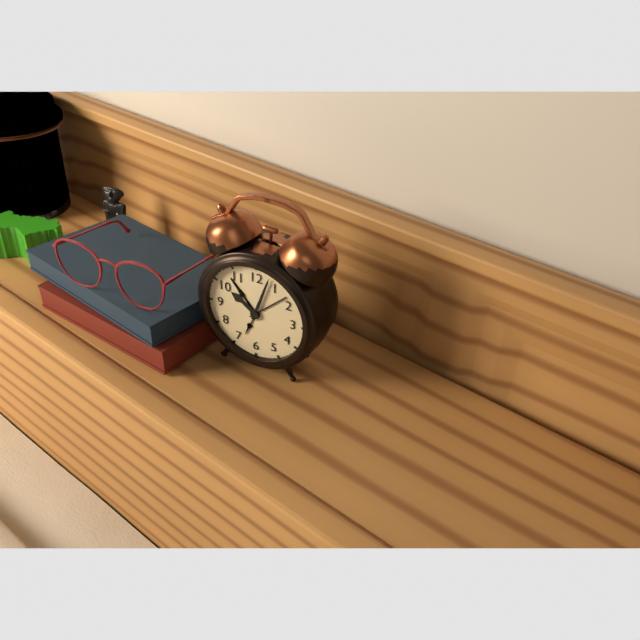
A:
10.03
